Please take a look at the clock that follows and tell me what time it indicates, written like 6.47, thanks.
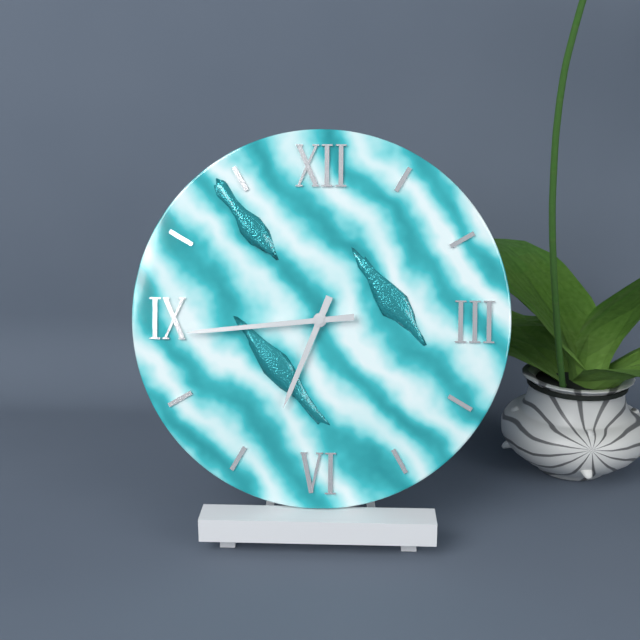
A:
6.44
